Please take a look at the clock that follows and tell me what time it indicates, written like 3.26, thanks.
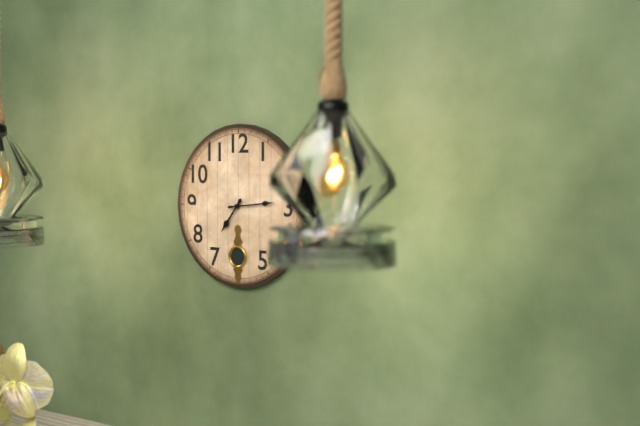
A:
7.14
